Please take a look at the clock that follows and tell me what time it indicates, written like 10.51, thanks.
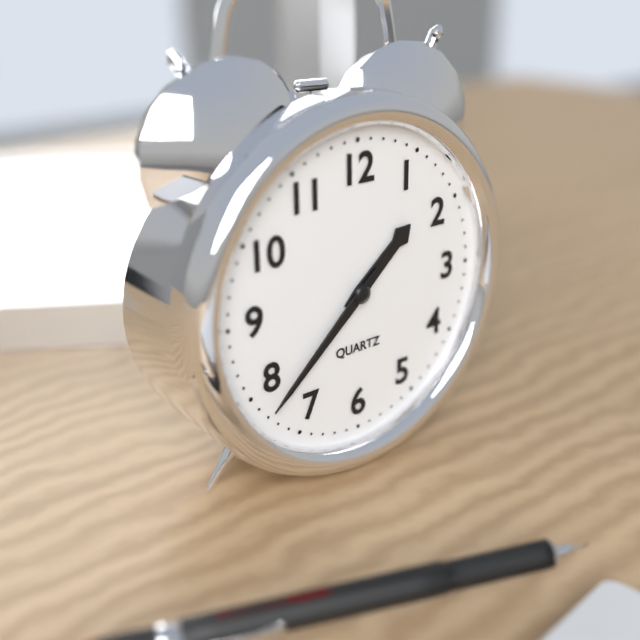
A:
1.38
